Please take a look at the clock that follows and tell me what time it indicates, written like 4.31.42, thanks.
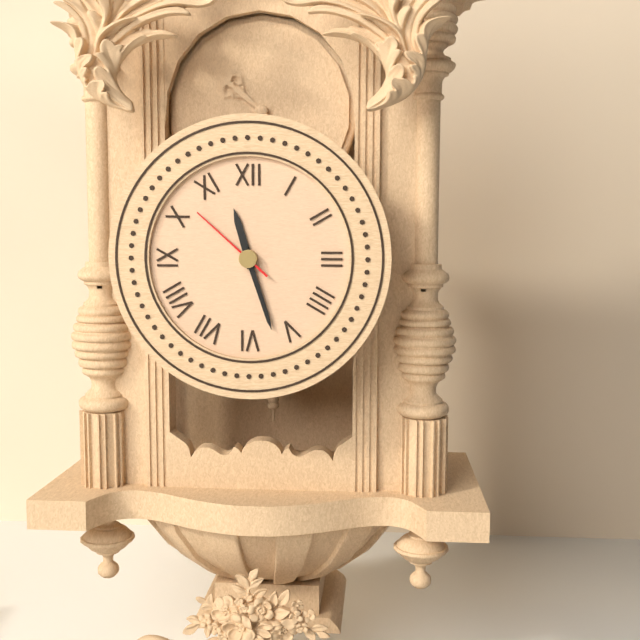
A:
11.27.52
